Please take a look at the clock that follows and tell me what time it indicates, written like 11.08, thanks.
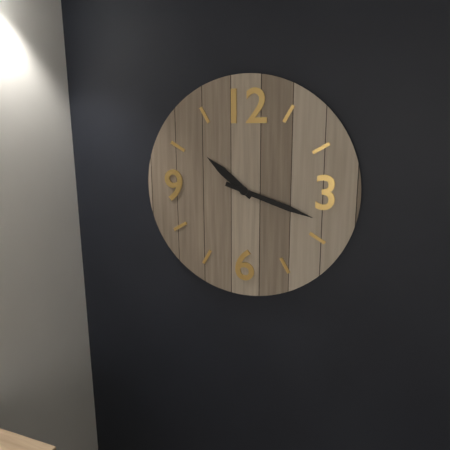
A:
10.18
